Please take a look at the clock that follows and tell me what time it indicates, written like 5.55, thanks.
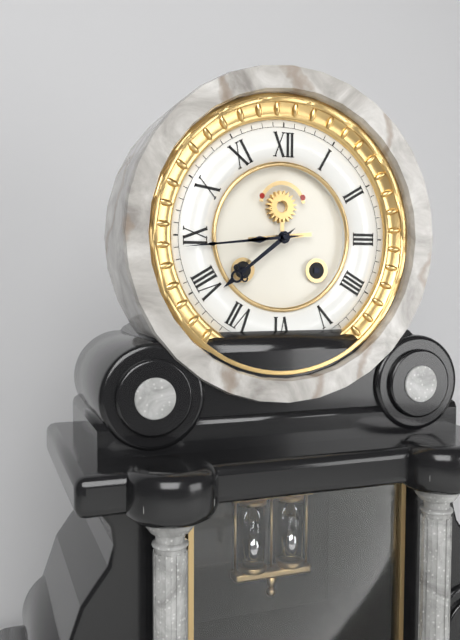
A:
7.44
